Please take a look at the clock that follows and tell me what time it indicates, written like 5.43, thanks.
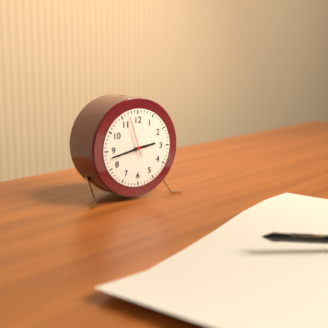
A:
2.43
